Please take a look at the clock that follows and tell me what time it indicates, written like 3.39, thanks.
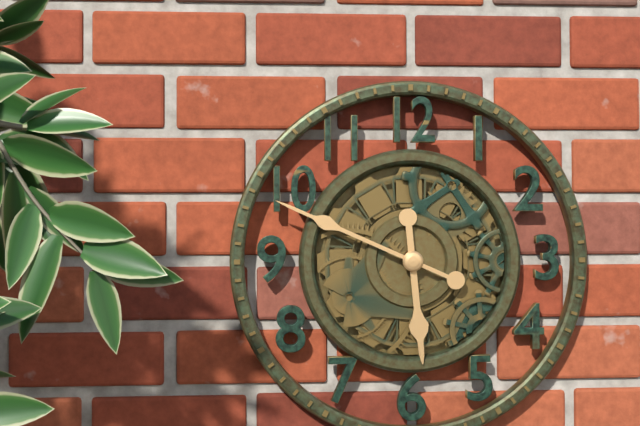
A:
5.49
